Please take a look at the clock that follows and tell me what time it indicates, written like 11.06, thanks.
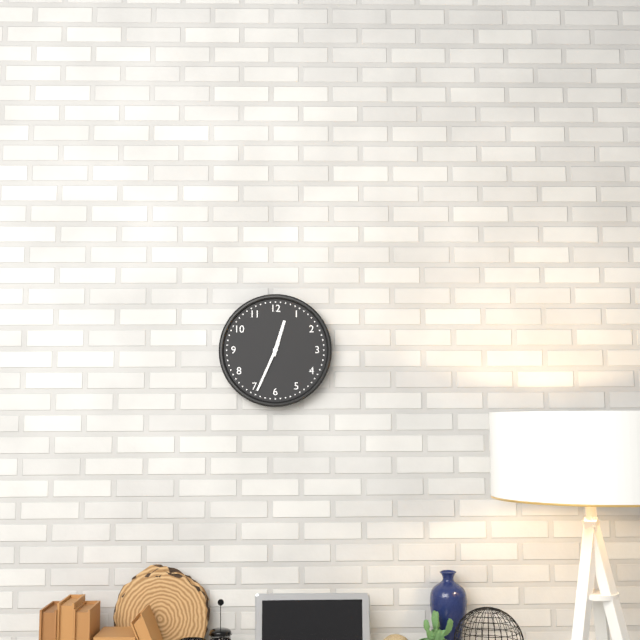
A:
12.34
